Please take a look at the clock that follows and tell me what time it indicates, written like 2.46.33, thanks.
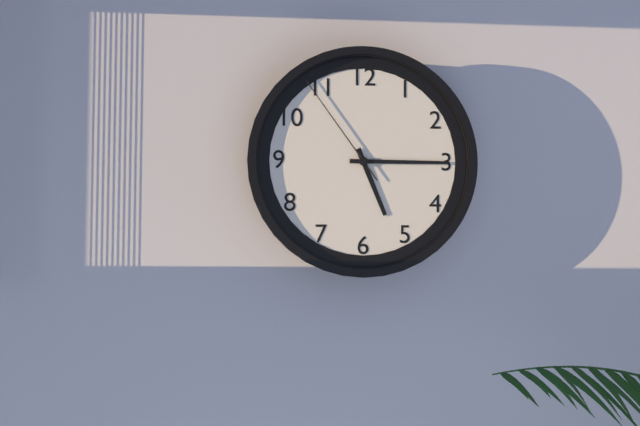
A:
5.15.54
